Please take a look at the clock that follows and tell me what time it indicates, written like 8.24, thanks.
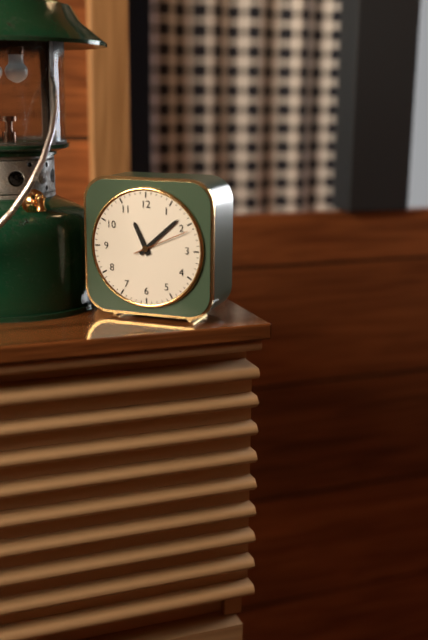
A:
11.08
